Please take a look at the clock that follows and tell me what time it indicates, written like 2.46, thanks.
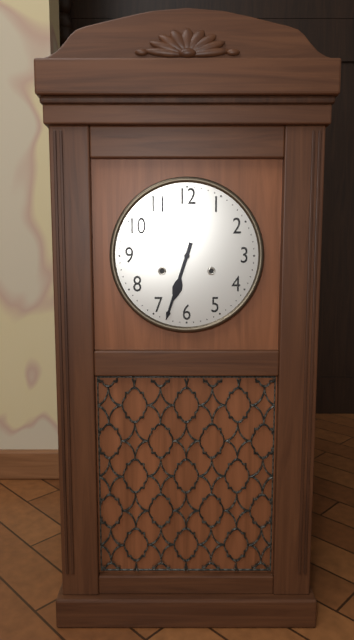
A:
6.33
